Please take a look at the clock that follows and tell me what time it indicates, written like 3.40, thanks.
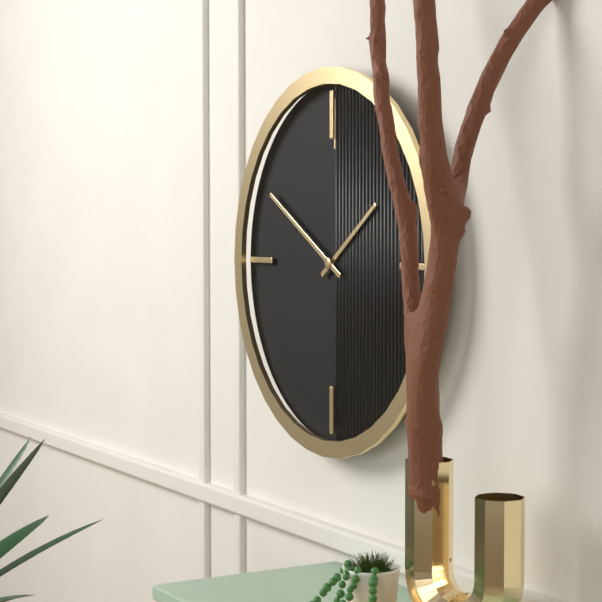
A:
1.50
